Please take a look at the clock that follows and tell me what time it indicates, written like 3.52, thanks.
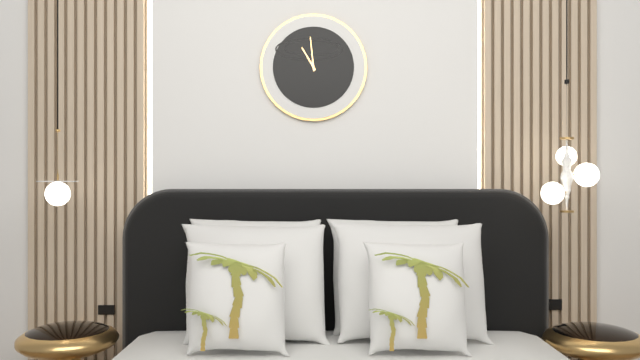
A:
10.59
